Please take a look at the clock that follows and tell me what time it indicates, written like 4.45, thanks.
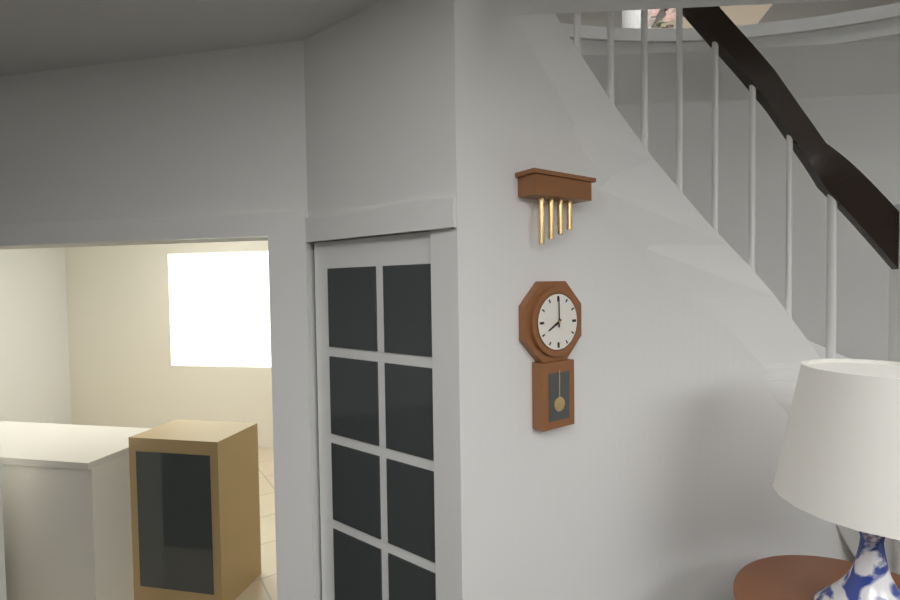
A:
8.00
